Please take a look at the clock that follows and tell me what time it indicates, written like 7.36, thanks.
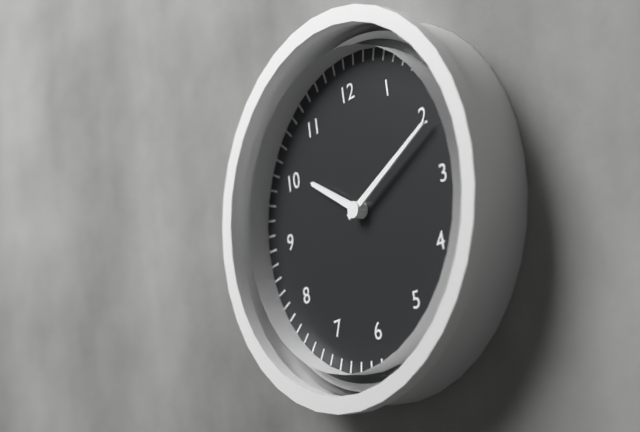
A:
10.11
